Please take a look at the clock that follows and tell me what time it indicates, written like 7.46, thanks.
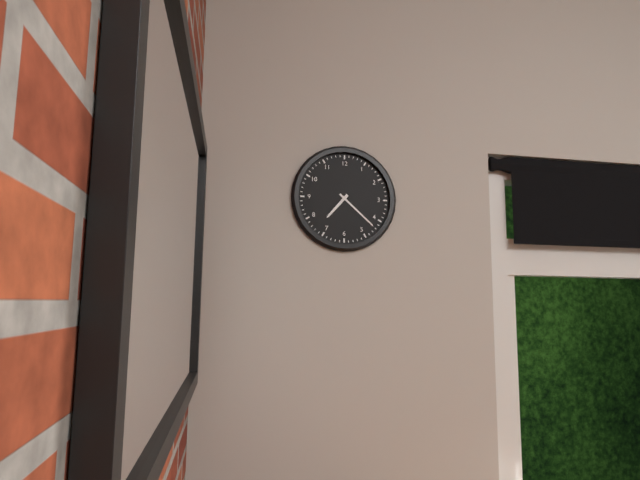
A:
7.22
